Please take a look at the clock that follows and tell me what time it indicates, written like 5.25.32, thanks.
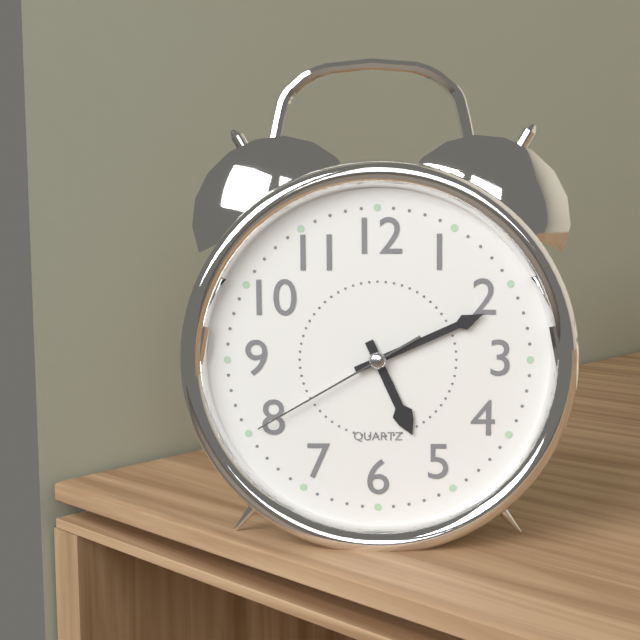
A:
5.11.40
